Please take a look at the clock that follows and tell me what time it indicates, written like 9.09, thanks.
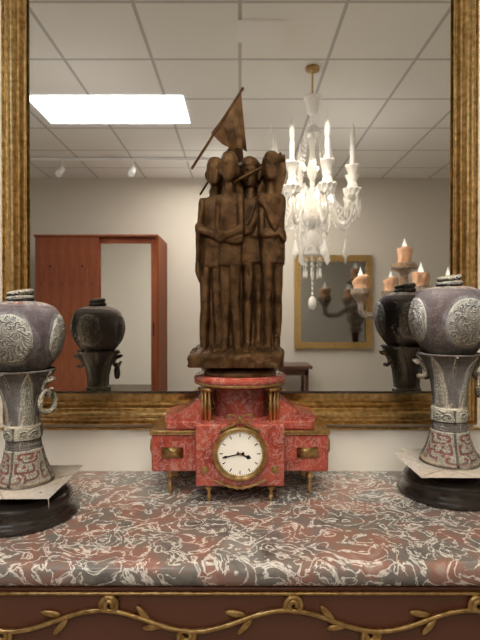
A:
3.43
